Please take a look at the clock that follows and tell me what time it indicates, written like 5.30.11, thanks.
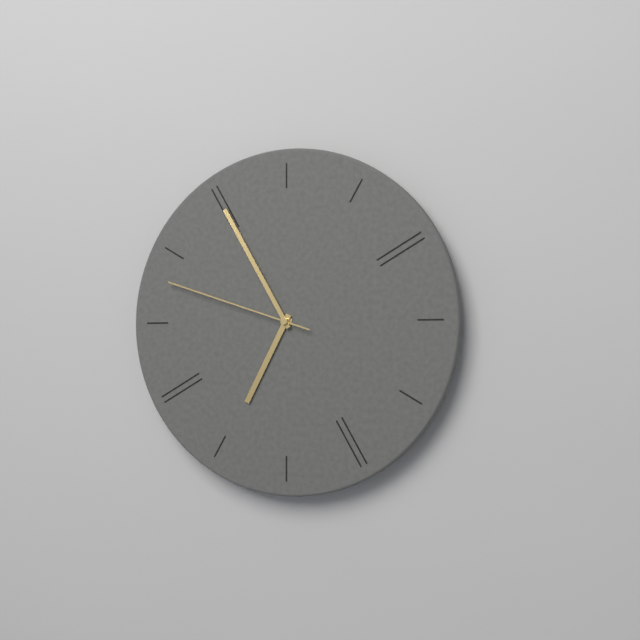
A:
6.55.48
